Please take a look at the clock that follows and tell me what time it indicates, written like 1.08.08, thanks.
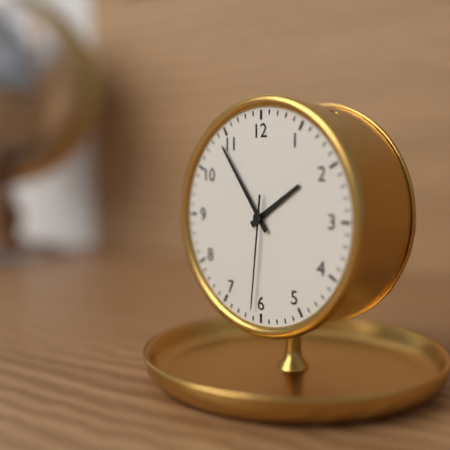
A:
1.54.31
